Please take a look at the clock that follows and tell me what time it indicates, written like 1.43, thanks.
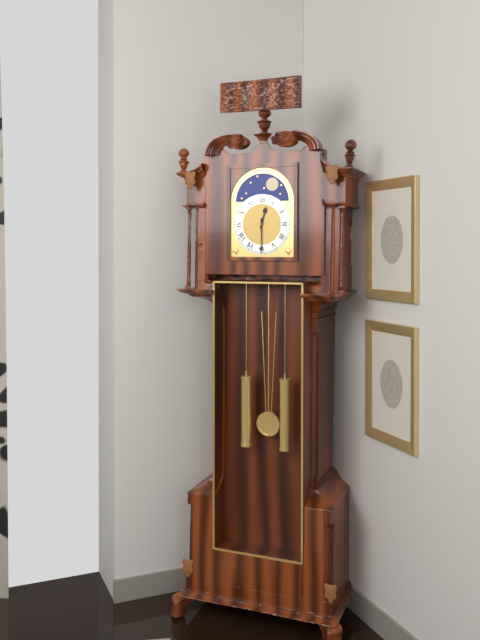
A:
12.30
